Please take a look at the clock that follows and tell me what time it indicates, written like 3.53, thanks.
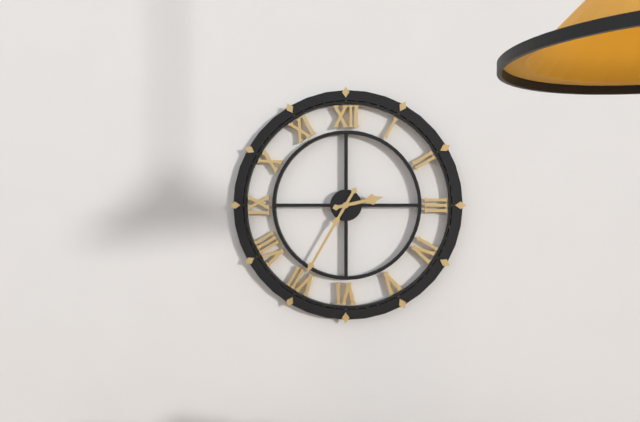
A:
2.35
